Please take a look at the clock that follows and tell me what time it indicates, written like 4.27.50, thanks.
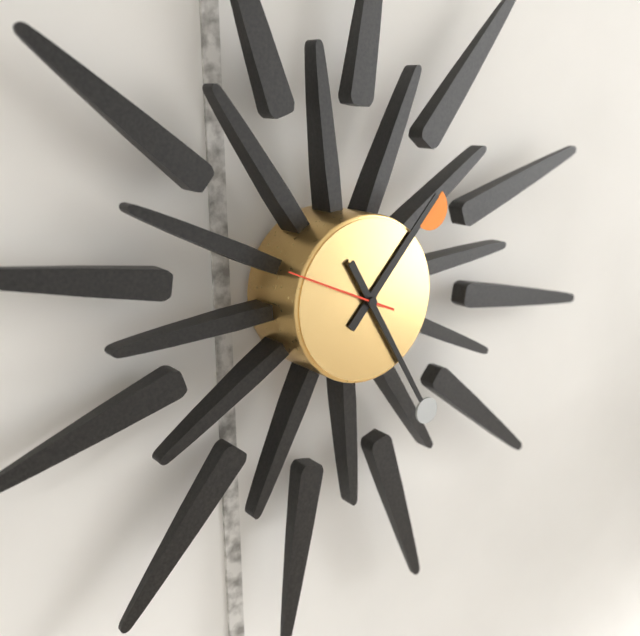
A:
1.25.49
